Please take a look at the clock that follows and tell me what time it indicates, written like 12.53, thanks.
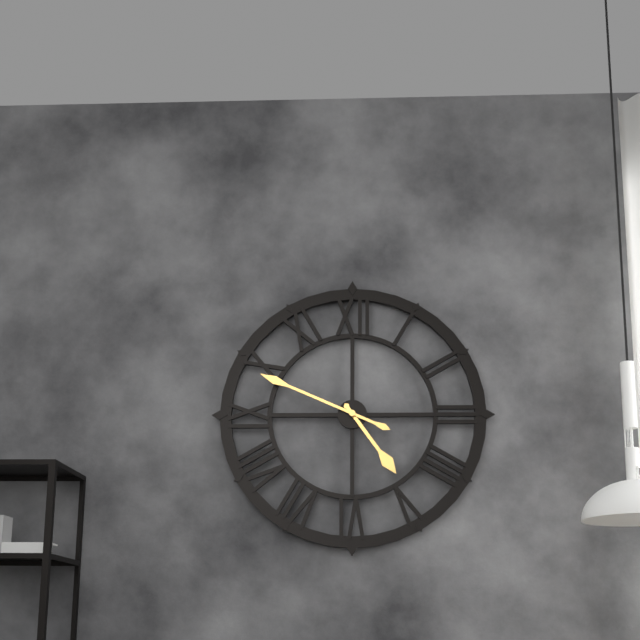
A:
4.49
